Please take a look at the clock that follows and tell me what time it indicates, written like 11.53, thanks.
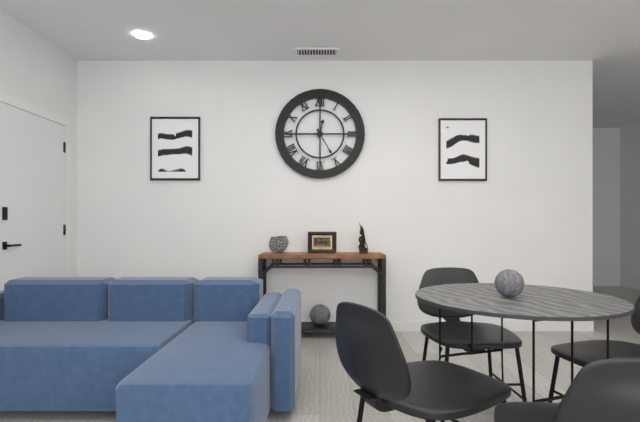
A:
12.25
